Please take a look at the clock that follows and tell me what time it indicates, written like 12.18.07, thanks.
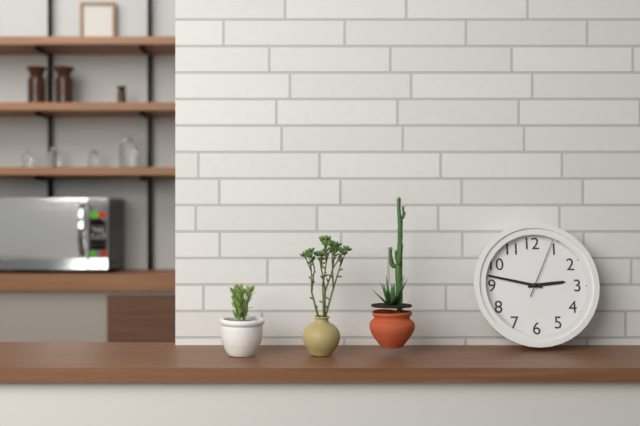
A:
2.47.04
